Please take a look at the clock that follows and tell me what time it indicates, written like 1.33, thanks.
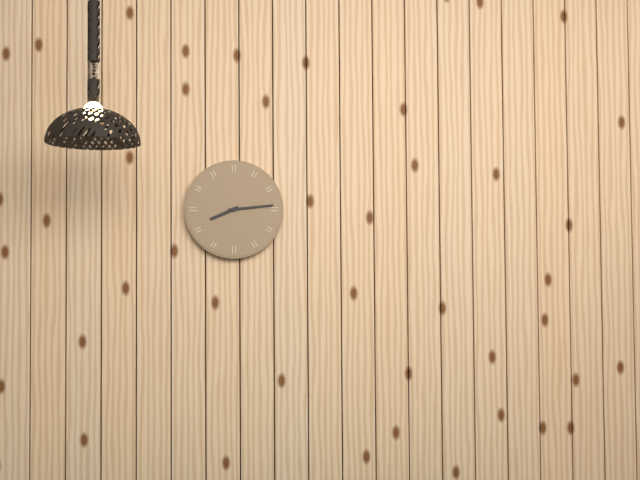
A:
8.14
